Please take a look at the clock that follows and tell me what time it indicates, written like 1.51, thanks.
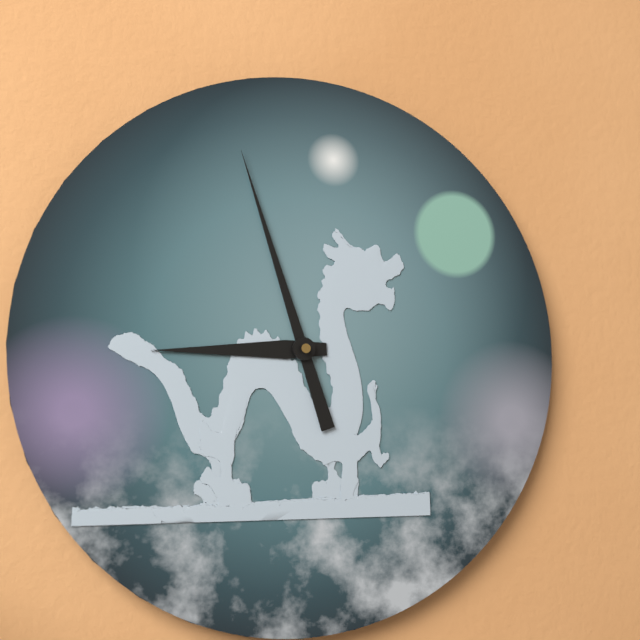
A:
8.57
